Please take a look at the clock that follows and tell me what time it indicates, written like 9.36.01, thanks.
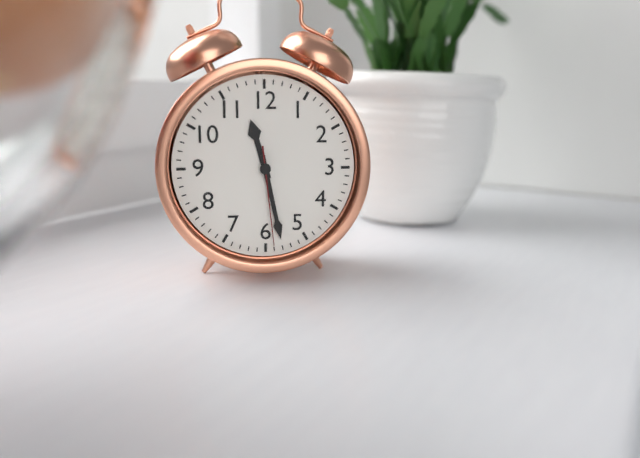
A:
11.28.29
